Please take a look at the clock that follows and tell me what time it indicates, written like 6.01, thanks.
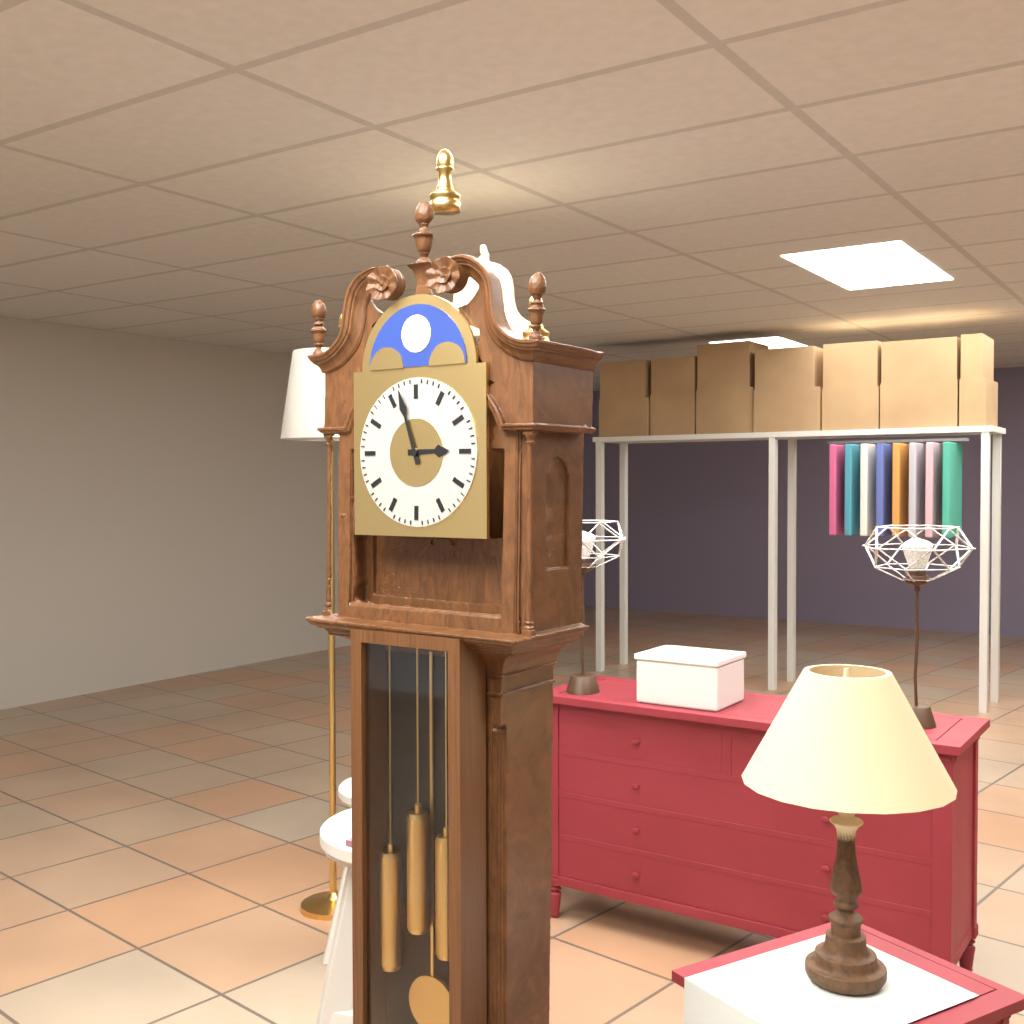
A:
2.57
